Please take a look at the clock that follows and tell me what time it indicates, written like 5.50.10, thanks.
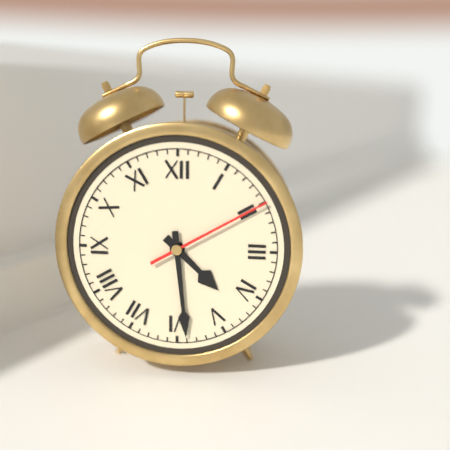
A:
4.29.10
